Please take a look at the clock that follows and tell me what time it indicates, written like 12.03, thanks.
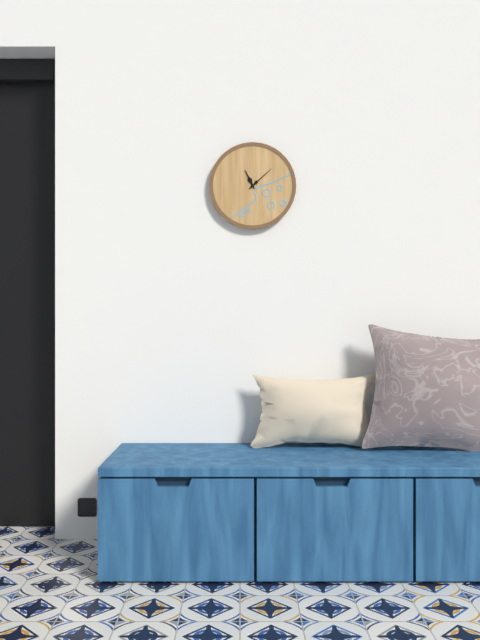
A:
11.08
